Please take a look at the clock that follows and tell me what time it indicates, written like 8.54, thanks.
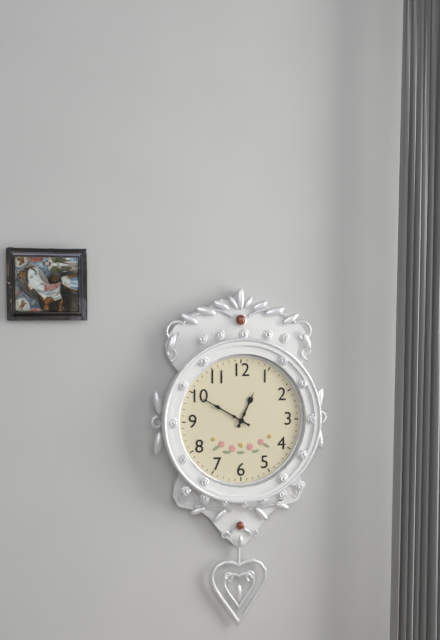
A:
12.50
